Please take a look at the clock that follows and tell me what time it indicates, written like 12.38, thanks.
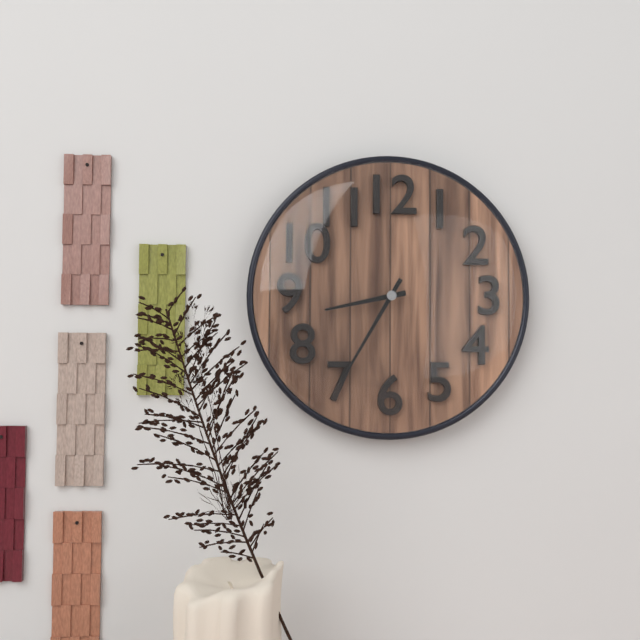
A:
8.35
